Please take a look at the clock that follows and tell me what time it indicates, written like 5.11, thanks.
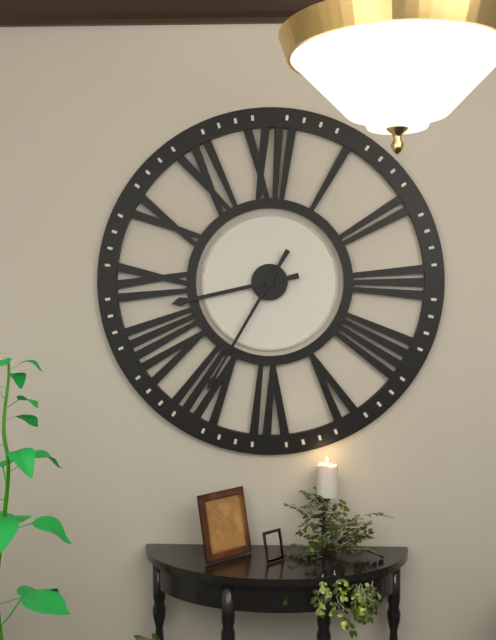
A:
8.35
